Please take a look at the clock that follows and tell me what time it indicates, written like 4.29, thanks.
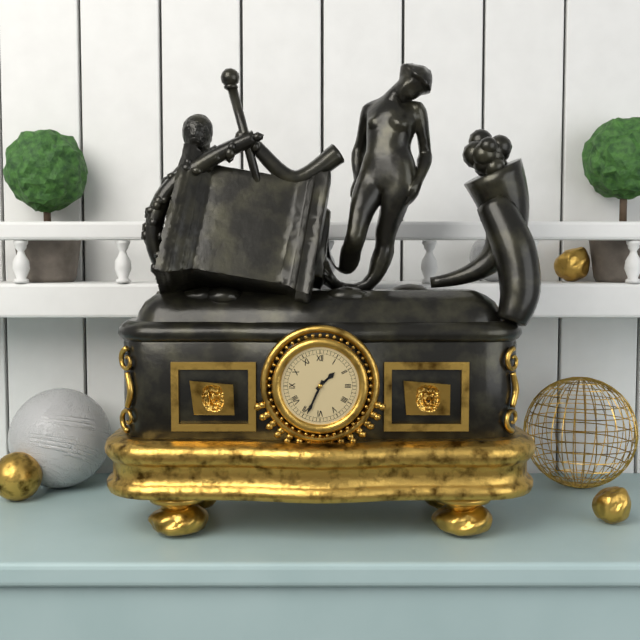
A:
1.34
